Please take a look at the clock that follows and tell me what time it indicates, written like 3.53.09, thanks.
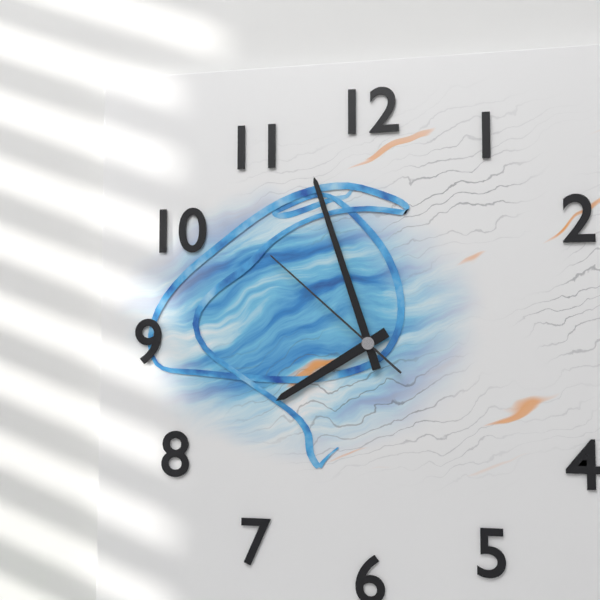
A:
7.57.52
